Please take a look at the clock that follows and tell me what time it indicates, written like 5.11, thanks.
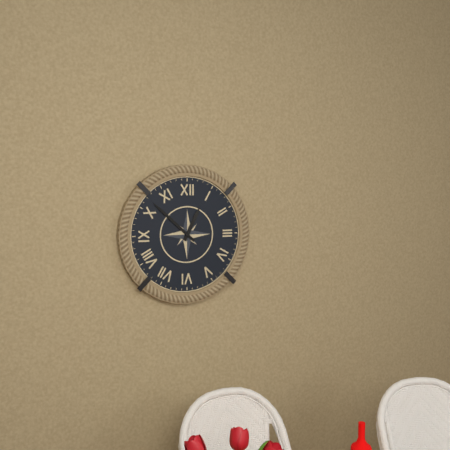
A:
12.52
